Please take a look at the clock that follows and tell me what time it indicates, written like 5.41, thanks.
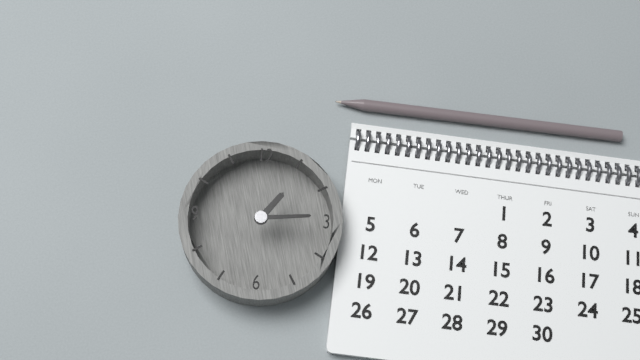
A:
1.14
